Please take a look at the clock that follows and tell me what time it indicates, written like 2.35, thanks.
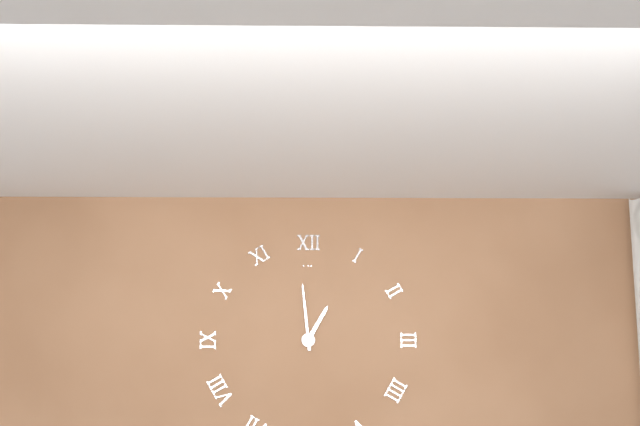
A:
12.59
